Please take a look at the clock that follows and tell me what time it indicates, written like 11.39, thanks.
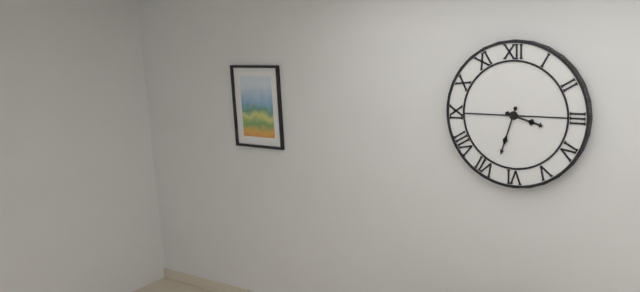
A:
3.33
